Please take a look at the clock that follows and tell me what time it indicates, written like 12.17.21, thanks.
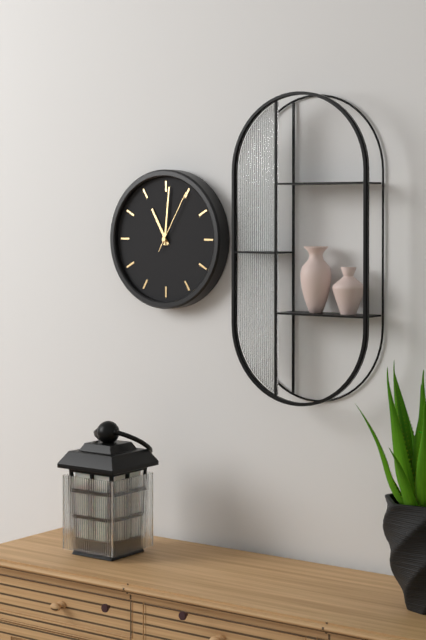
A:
11.01.05
